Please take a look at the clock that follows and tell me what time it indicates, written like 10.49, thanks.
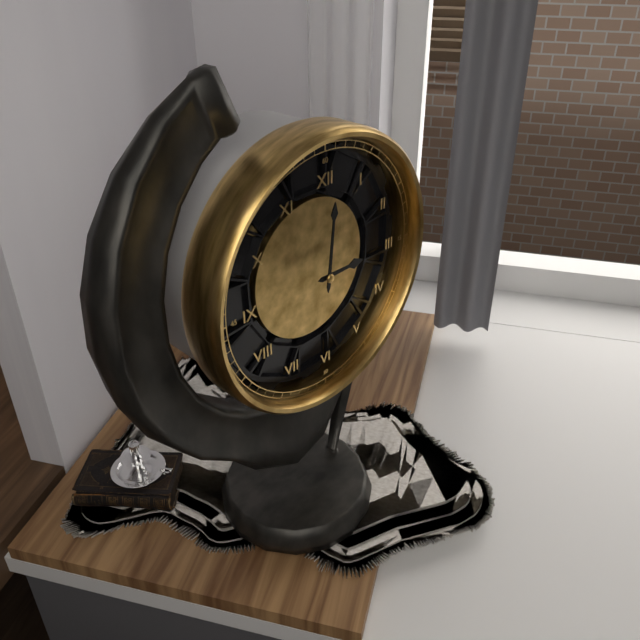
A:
3.01
